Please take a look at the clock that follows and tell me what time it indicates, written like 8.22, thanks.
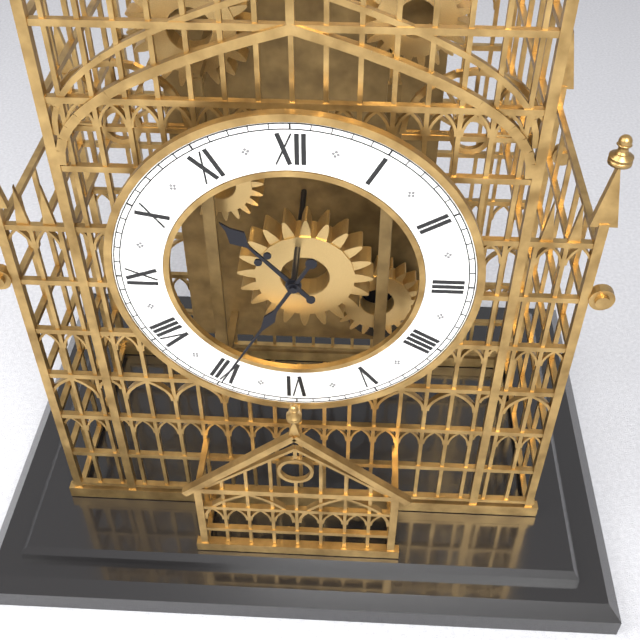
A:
10.35
